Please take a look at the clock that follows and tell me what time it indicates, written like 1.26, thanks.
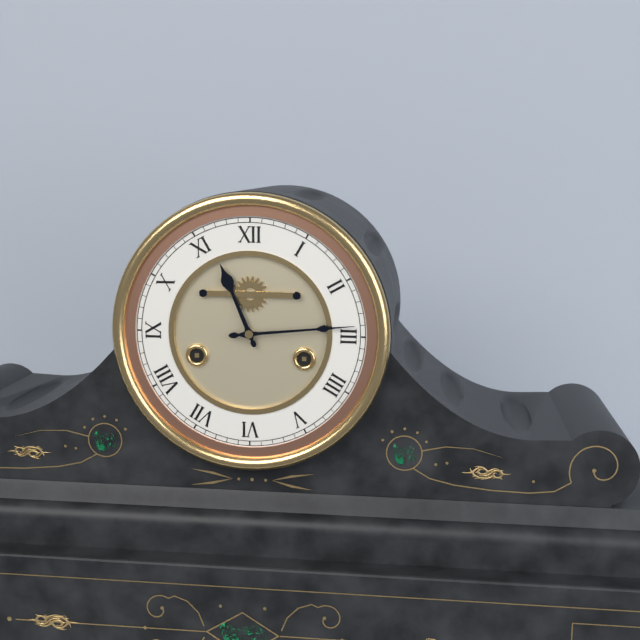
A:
11.14
